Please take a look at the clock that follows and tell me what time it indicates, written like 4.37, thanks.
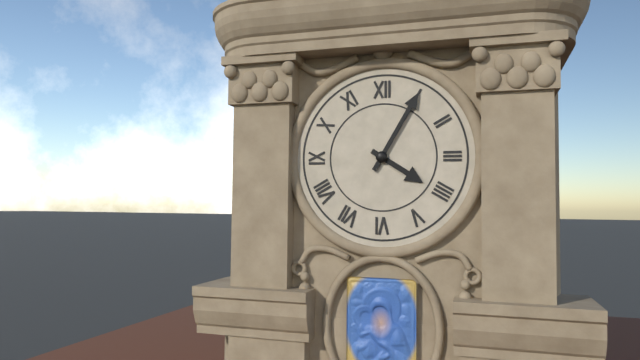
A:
4.05
